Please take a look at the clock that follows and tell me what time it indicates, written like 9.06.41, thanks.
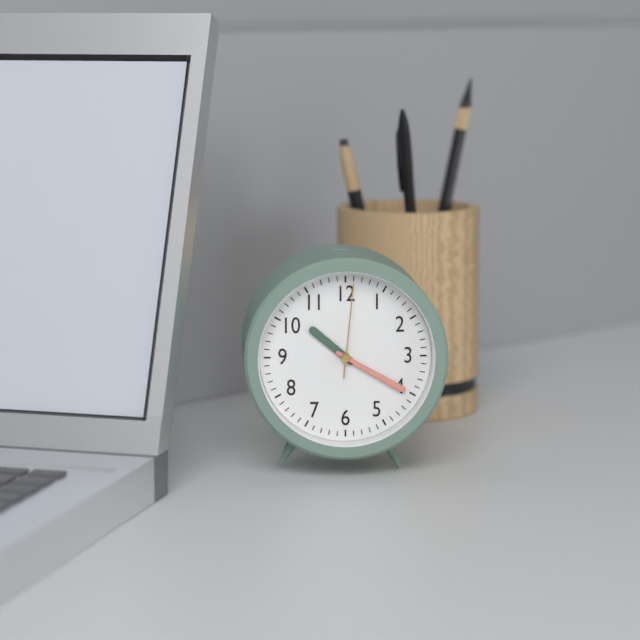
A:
10.20.01
